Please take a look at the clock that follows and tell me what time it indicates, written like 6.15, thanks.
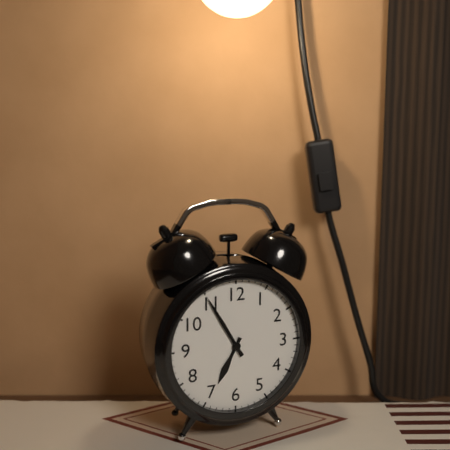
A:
6.55
